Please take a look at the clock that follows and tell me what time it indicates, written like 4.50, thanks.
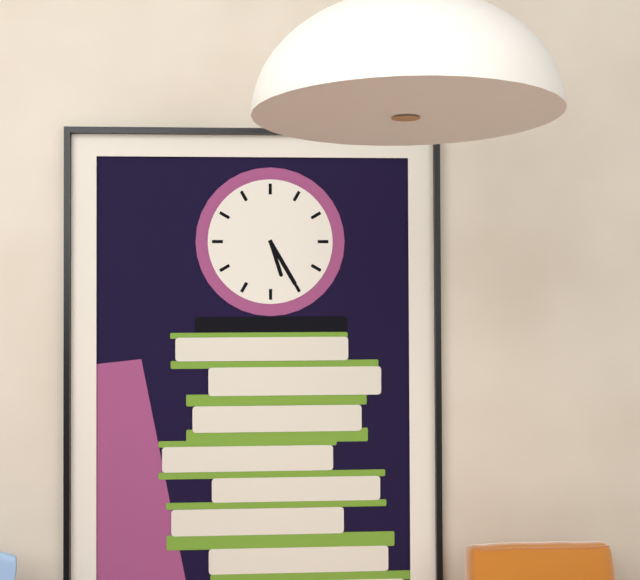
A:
5.25
